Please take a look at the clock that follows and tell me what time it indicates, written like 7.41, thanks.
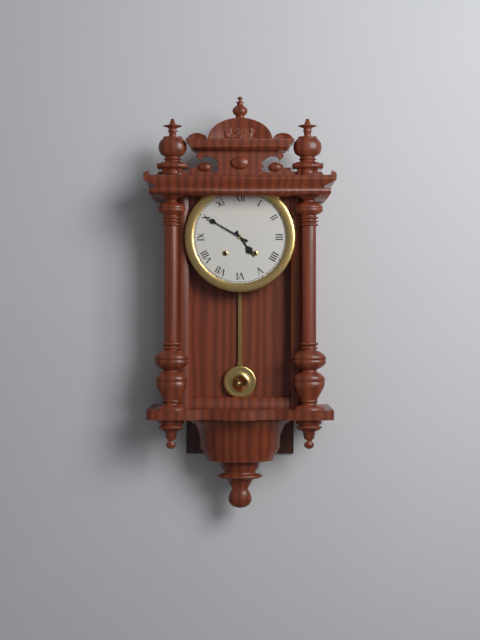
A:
4.50
